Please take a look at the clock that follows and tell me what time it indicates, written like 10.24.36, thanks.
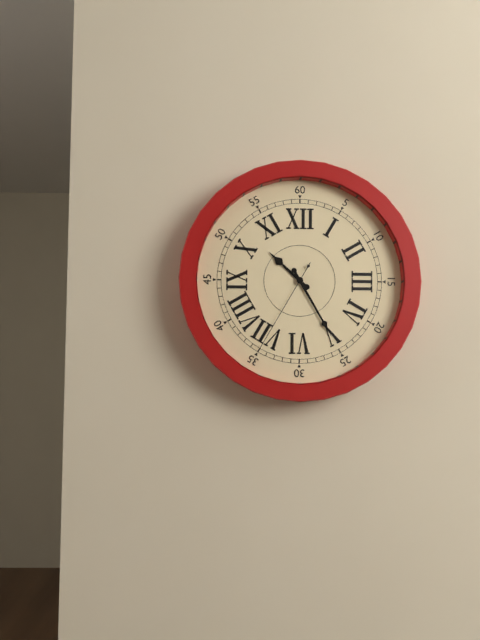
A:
10.25.35
